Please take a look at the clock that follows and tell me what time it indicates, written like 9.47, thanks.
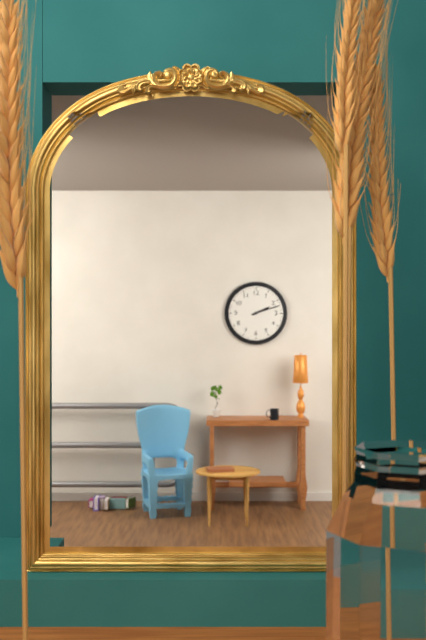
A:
2.12
